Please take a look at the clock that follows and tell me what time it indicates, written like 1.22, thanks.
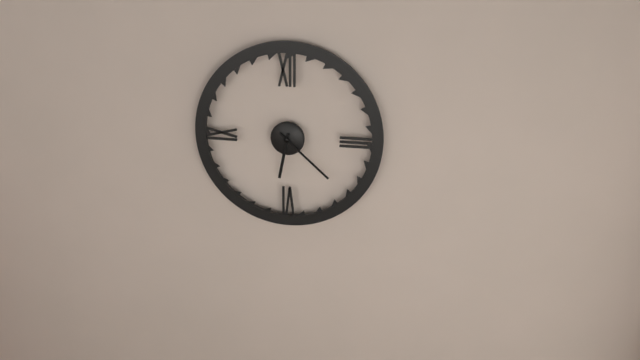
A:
6.22
